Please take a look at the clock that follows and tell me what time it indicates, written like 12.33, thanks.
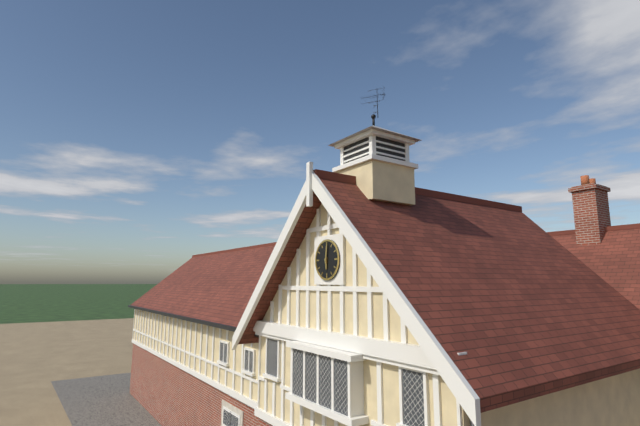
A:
6.01
